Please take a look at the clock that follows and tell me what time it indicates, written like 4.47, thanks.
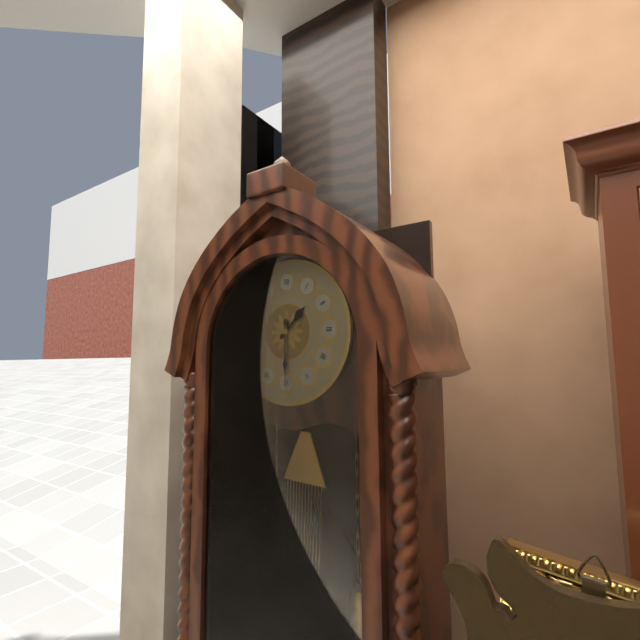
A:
1.30
